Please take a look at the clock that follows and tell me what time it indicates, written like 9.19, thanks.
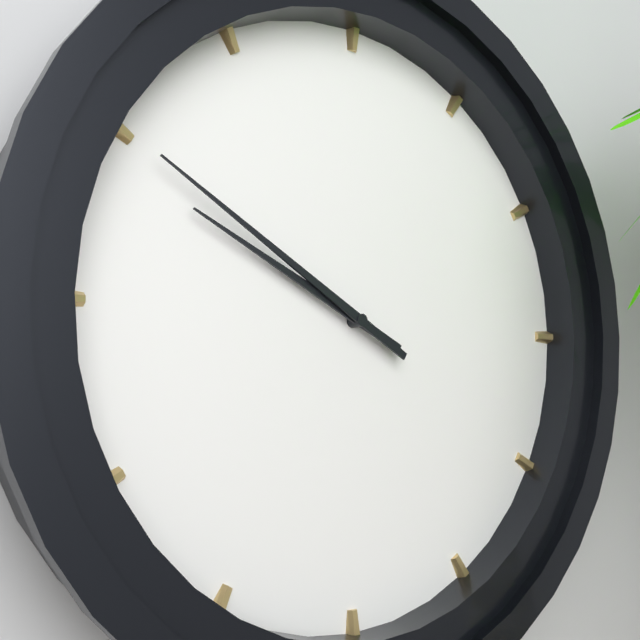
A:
9.50
